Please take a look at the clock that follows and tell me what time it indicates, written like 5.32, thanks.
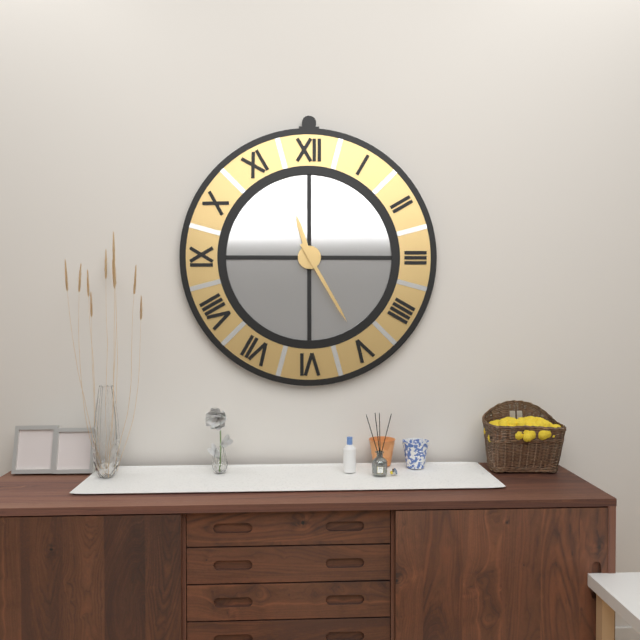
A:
11.25
